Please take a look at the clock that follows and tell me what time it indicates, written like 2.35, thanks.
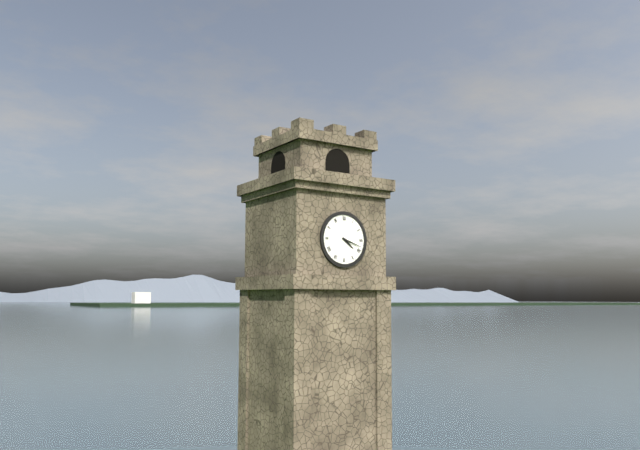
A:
4.18
